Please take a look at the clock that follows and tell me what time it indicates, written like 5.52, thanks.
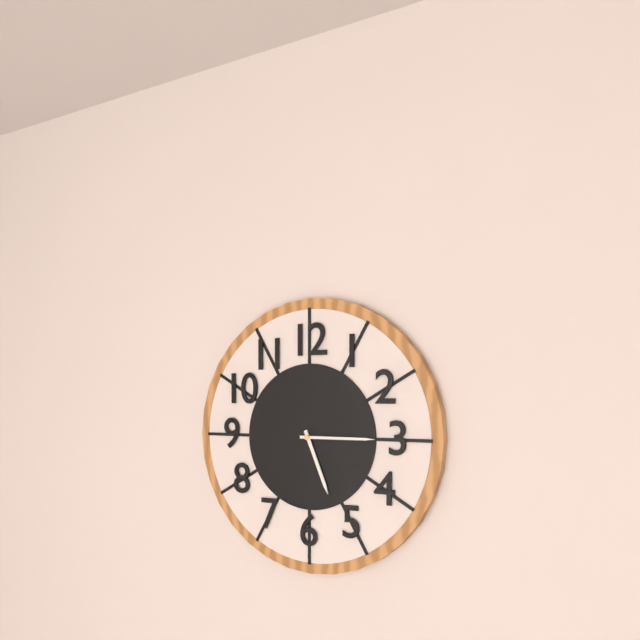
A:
5.15
